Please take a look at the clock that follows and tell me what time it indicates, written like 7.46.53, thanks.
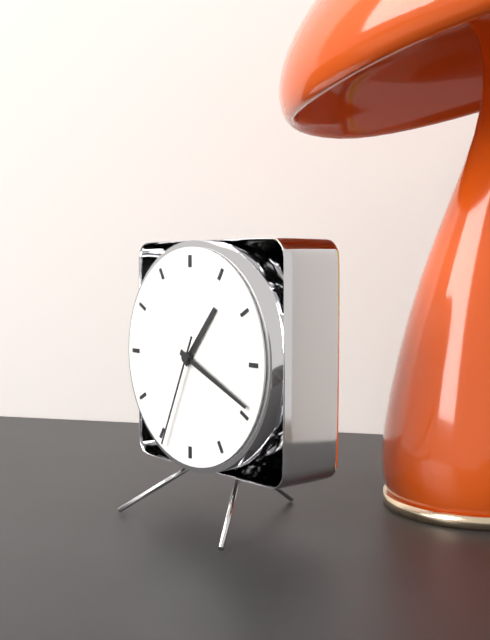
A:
1.19.34
